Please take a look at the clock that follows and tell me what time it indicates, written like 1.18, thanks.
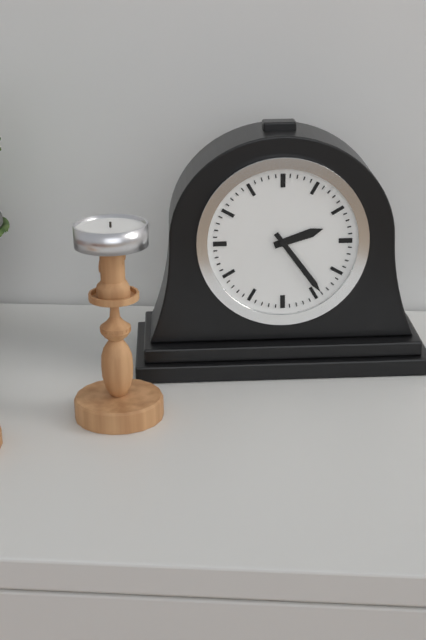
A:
2.24
